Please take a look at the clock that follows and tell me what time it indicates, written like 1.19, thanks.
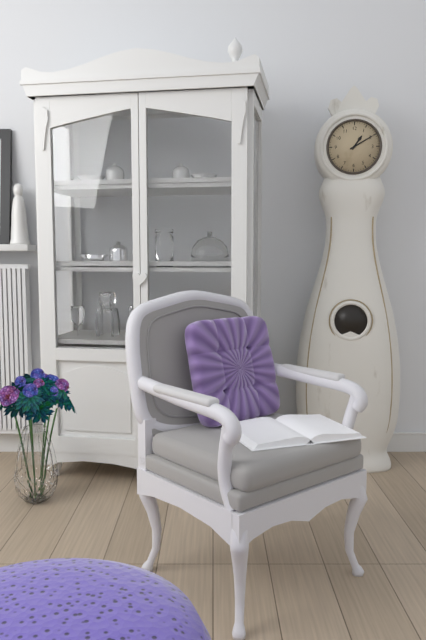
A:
1.10
